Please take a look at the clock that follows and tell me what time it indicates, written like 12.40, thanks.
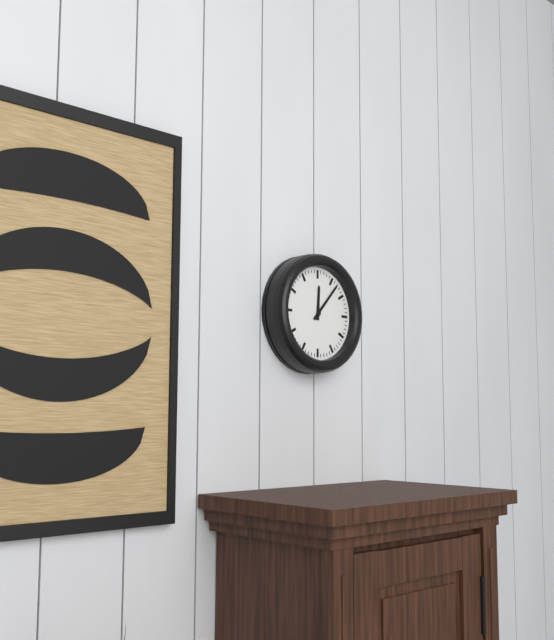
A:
12.07
